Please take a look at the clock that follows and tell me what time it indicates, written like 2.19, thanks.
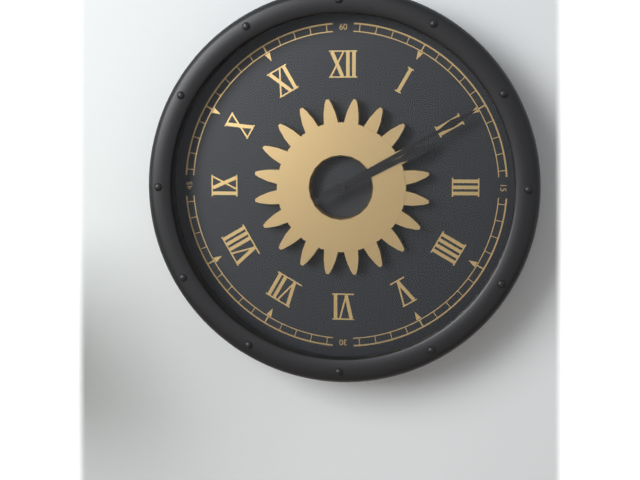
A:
2.10
